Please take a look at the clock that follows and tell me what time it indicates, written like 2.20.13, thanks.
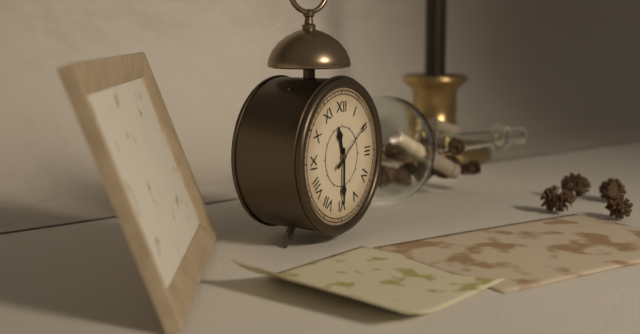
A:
11.30.09
